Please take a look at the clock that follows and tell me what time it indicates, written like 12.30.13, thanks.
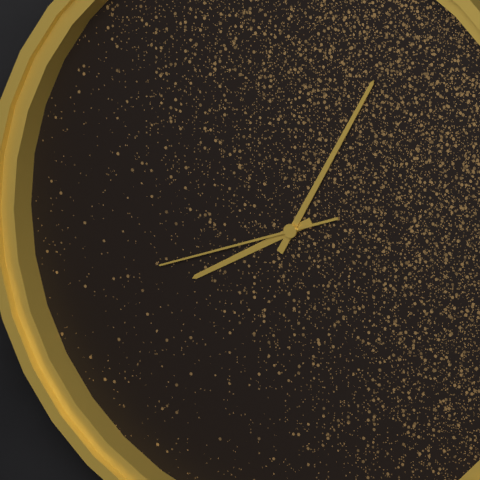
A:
8.05.42
